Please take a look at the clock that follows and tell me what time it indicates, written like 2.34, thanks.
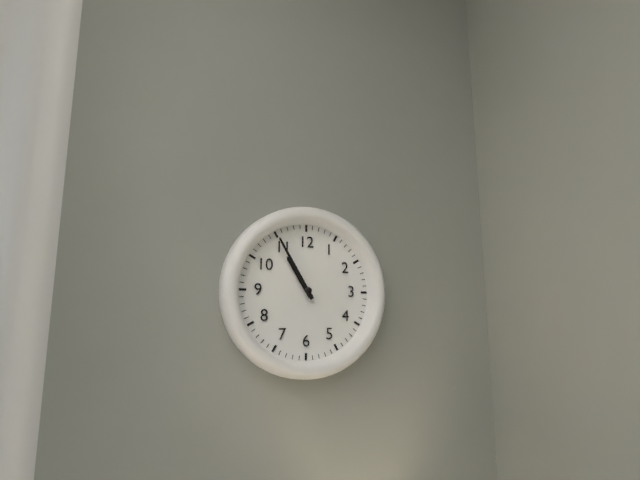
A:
10.55
